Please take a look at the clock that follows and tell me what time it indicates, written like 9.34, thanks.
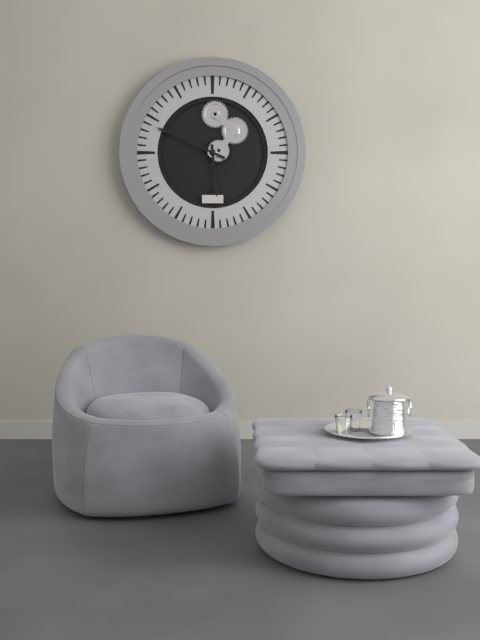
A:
5.49
